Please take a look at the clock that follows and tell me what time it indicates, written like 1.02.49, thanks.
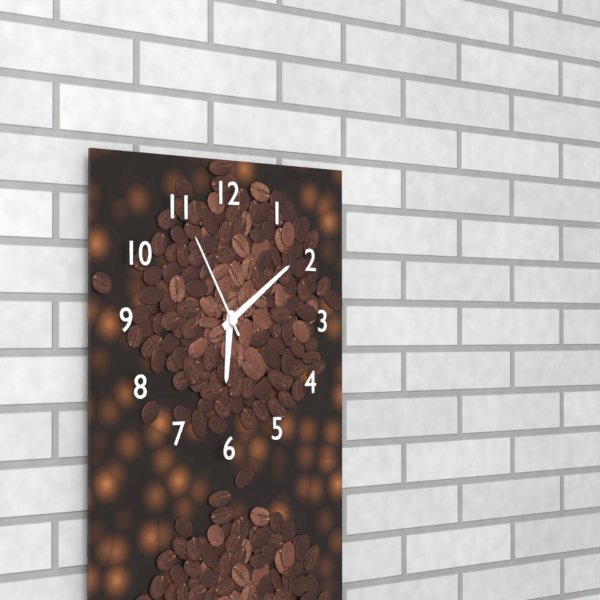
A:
6.09.55
